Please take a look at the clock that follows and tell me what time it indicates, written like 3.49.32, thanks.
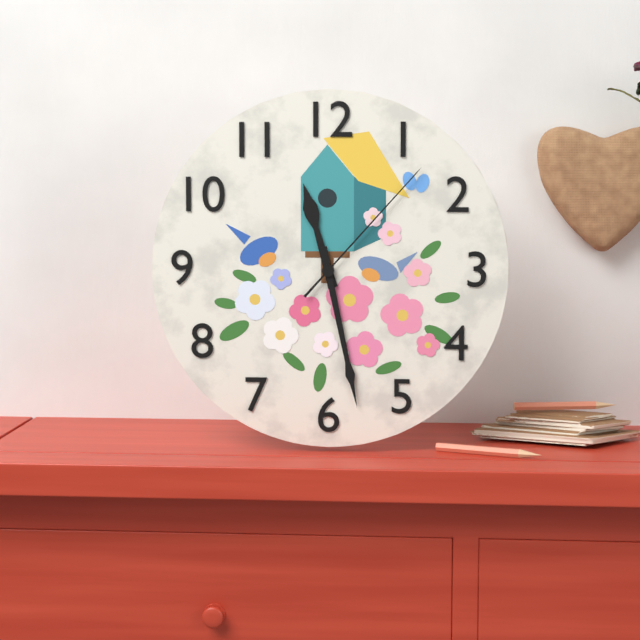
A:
11.28.07
